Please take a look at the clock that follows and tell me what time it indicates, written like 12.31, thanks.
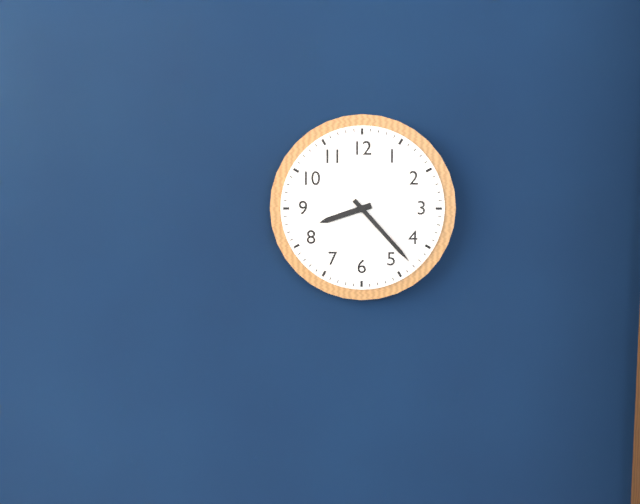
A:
8.23
